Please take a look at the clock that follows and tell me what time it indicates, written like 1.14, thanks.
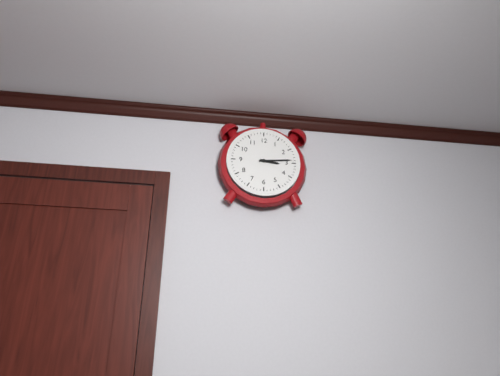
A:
3.14
